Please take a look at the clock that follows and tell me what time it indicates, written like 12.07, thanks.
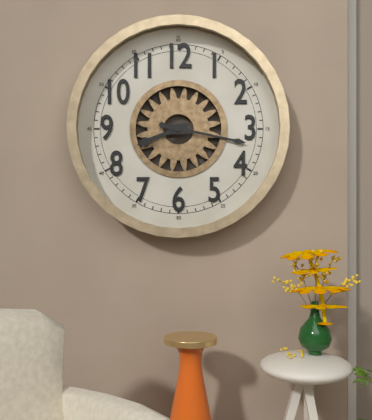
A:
8.17
